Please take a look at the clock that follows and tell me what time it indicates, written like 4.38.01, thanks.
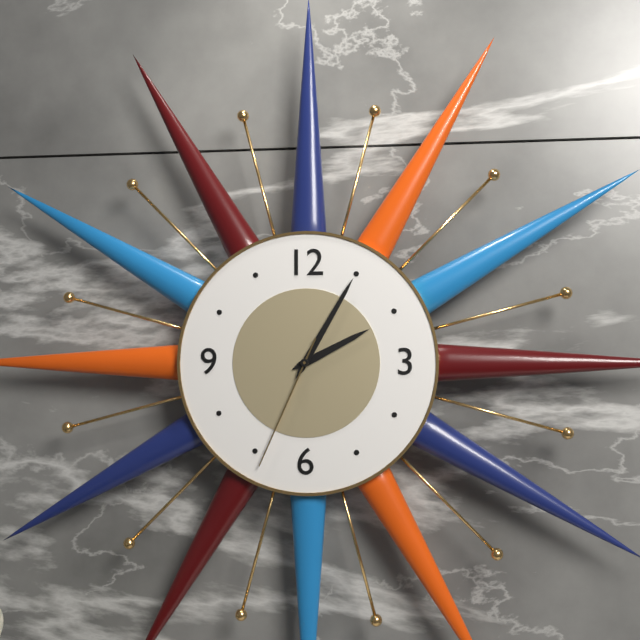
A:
2.05.34
